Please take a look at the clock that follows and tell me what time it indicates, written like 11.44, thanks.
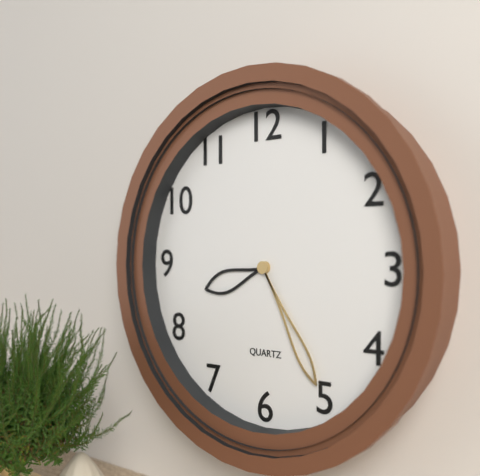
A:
8.25
